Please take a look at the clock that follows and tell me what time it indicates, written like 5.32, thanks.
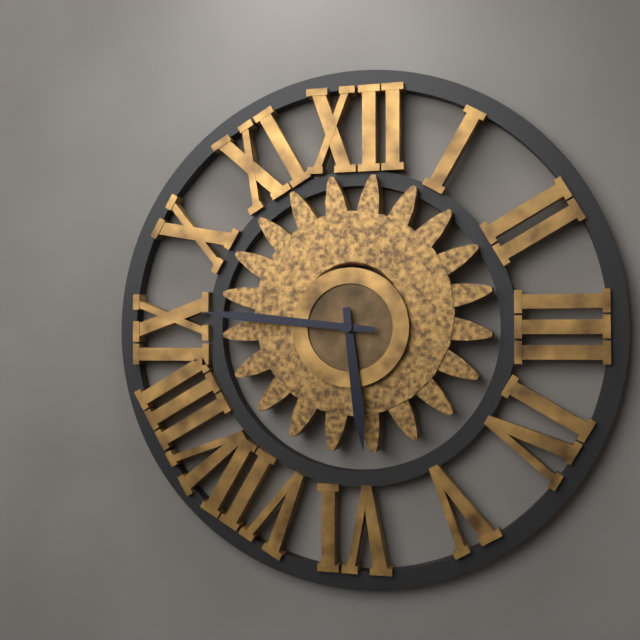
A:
5.46
